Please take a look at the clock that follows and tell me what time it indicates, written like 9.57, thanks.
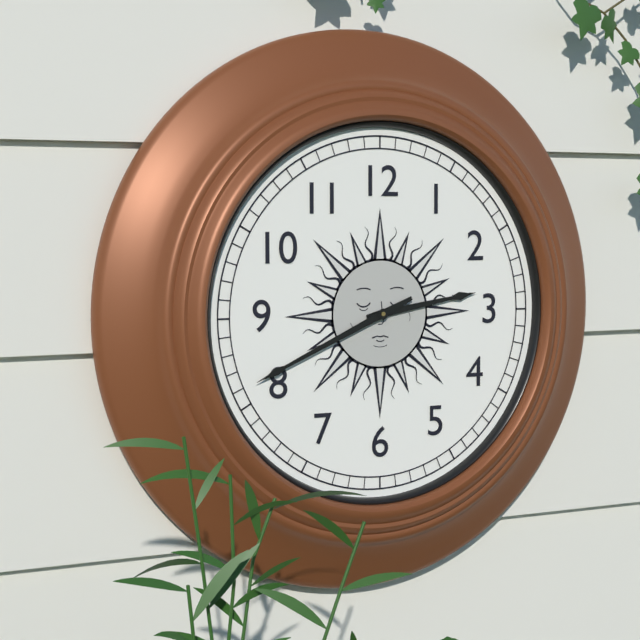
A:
2.41
